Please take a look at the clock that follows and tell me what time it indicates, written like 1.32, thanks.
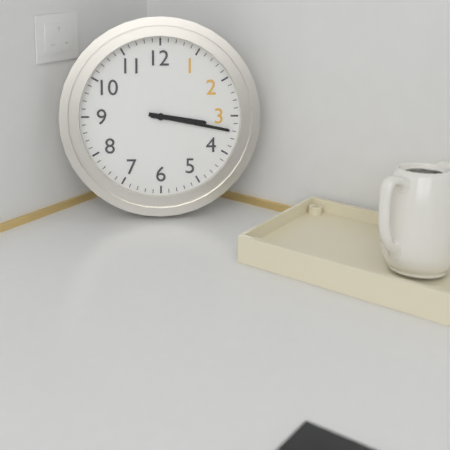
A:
3.17
